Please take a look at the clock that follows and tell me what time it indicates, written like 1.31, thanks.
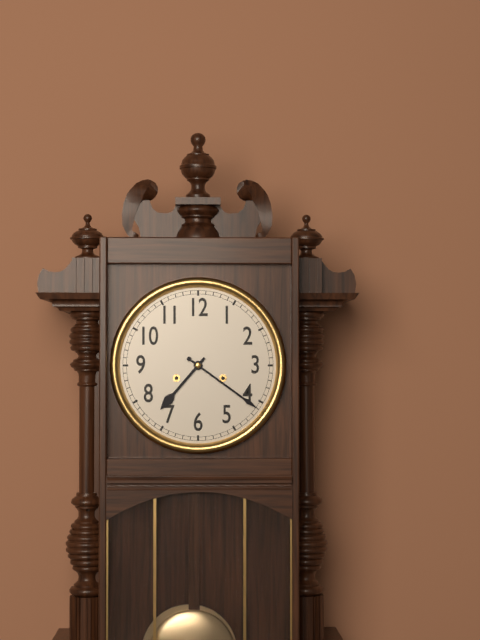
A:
7.21
